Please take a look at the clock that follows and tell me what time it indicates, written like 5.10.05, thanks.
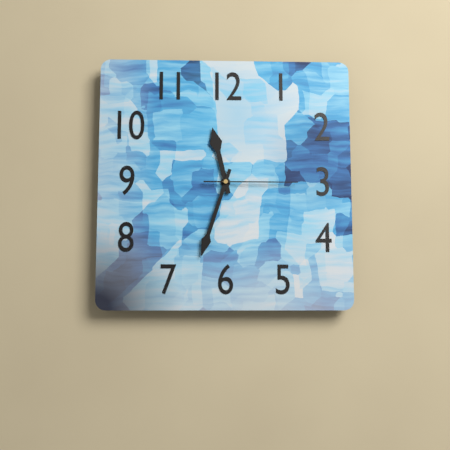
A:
11.33.15
